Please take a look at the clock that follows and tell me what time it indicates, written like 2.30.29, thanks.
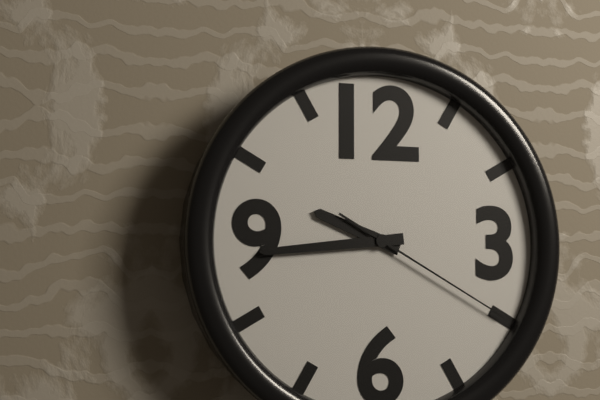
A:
9.44.20
